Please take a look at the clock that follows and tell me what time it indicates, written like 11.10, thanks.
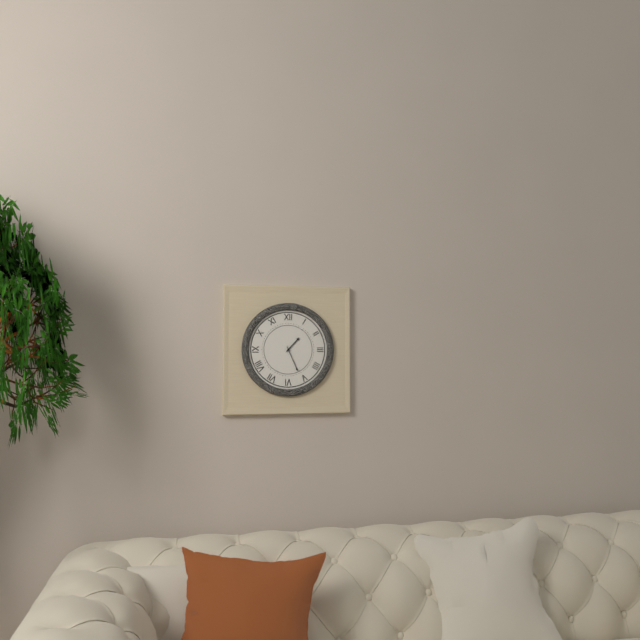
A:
1.26
